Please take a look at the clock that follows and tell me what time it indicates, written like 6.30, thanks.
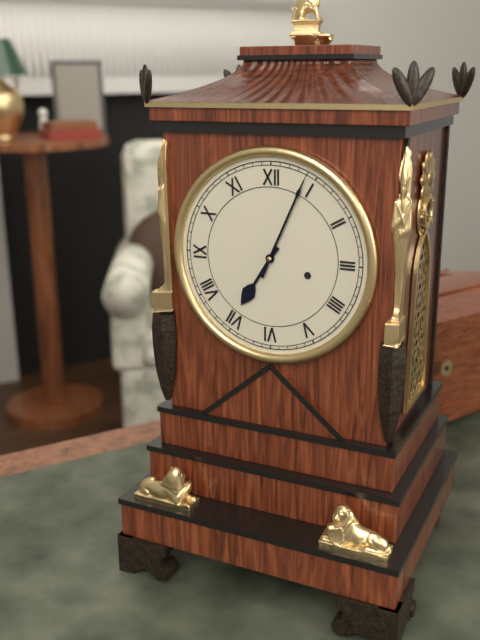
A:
7.04
